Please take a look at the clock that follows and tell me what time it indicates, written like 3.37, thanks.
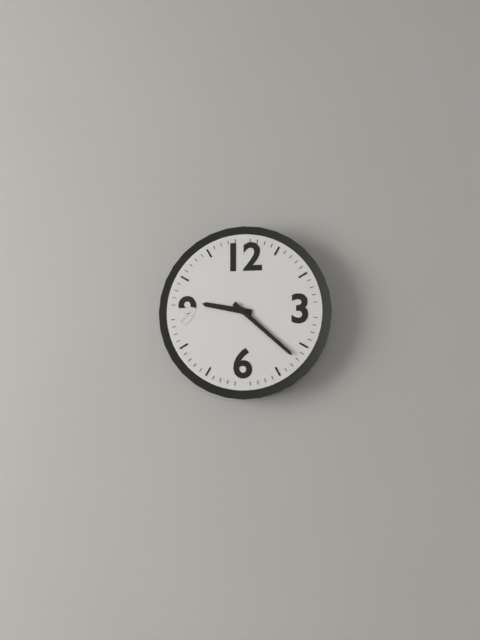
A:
9.22
